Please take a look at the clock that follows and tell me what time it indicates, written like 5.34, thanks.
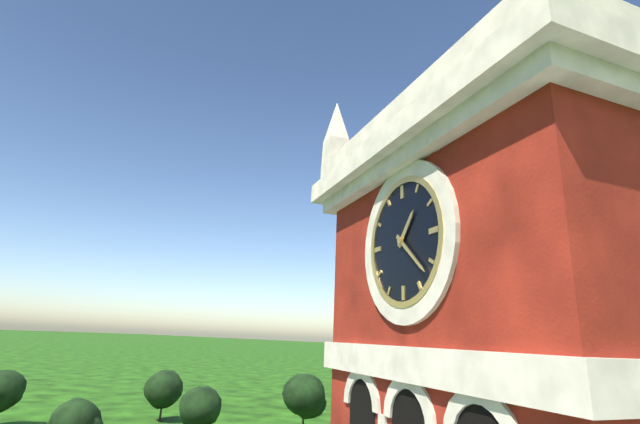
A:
1.22
